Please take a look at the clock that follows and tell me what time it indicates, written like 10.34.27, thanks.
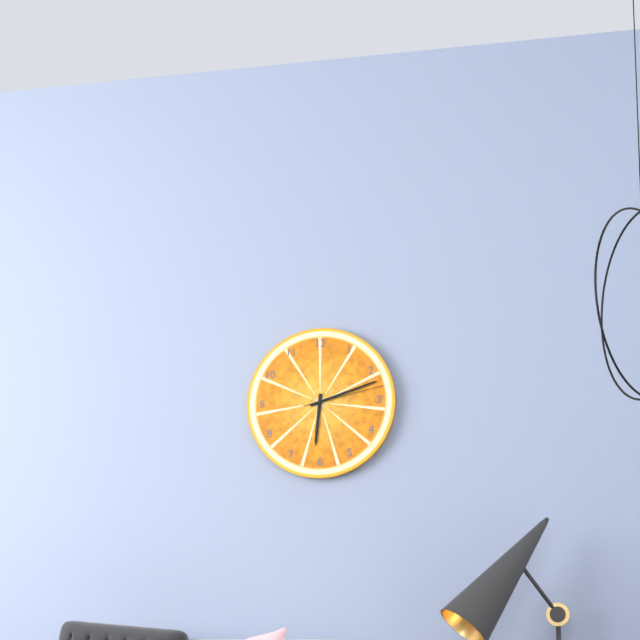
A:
6.12.13
